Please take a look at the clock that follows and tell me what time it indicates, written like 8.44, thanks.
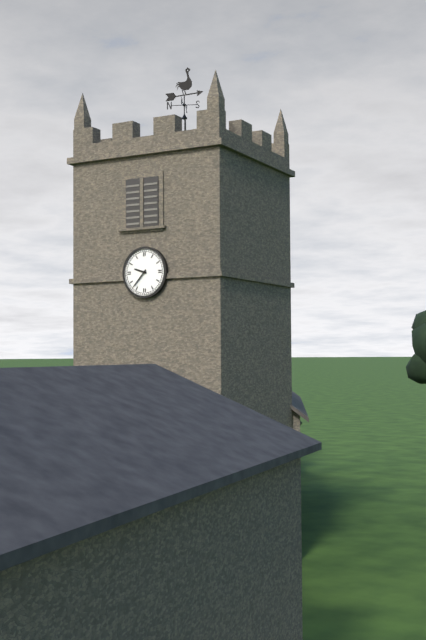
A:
9.37
